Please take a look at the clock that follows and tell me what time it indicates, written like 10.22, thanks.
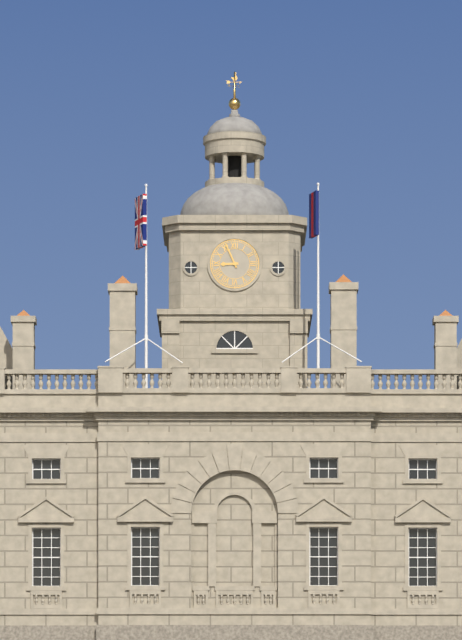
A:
8.56
